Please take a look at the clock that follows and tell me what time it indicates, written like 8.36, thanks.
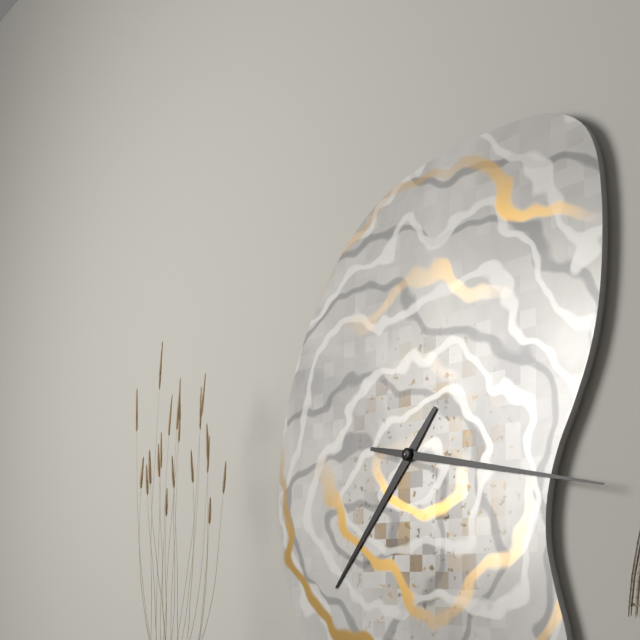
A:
7.17
